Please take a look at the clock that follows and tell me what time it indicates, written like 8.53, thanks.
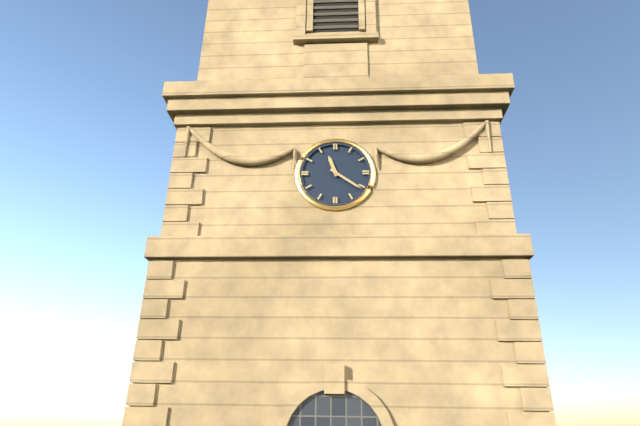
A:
11.21
